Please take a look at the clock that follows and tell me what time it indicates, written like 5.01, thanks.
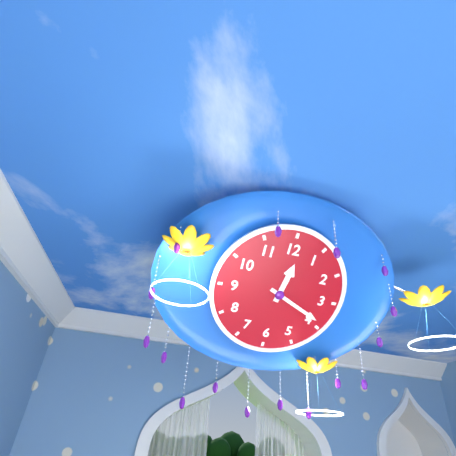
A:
12.19
